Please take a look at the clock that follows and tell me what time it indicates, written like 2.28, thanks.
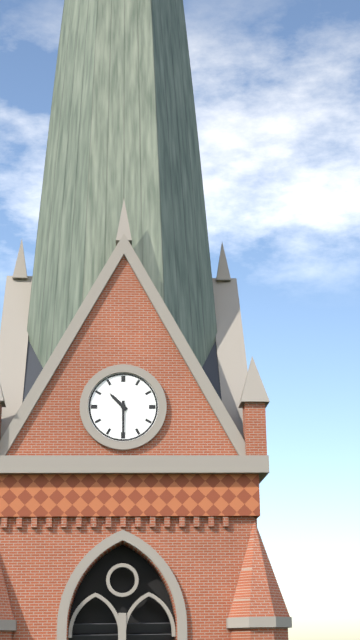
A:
10.30
